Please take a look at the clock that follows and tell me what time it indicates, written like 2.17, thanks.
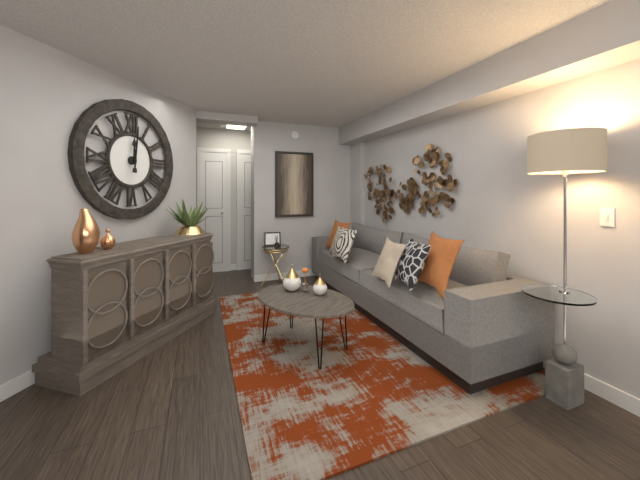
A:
12.01
